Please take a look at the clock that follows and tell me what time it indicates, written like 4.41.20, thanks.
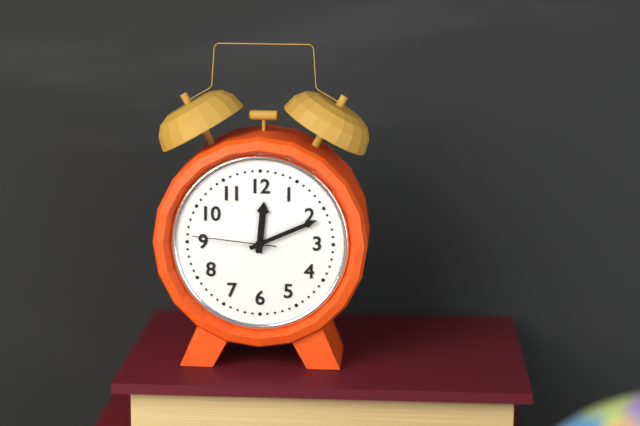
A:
12.11.46
